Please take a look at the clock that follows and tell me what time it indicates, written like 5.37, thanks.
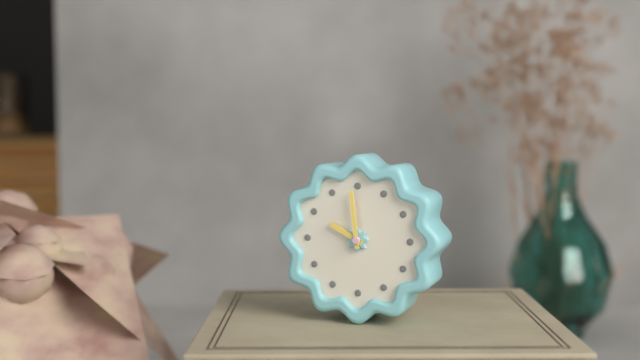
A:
9.59
